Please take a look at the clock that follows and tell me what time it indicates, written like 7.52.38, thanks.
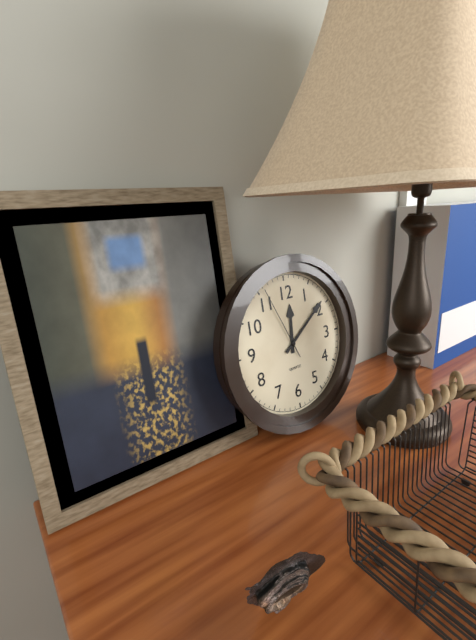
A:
12.09.56
